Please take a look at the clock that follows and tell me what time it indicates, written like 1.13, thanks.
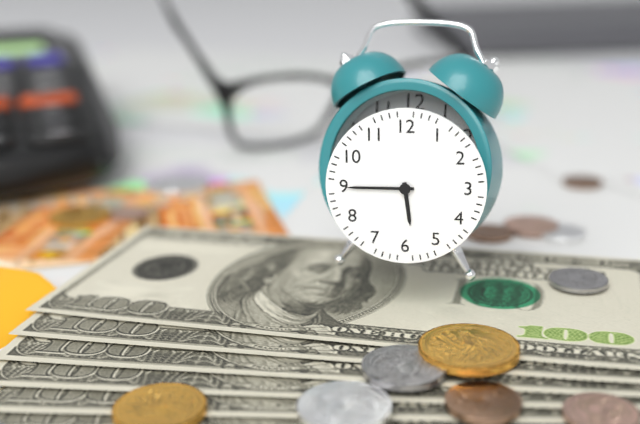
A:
5.45
